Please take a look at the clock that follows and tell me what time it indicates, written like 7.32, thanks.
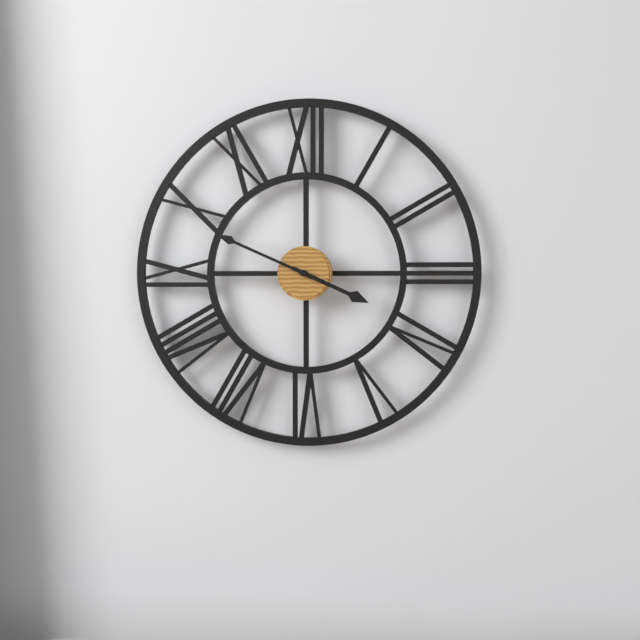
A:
3.49
